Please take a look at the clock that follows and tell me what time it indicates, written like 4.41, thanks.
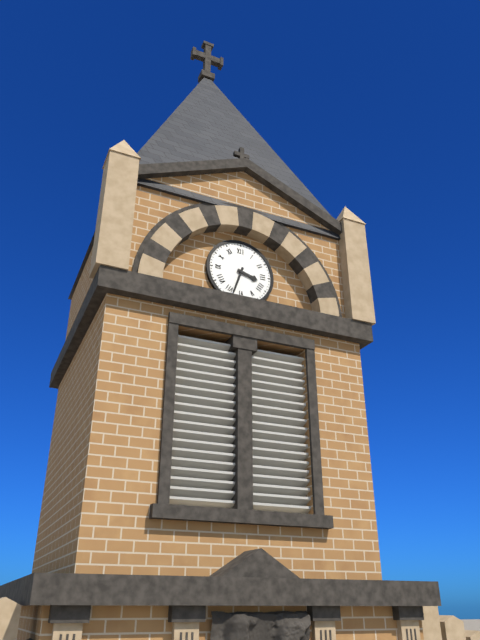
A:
3.33
